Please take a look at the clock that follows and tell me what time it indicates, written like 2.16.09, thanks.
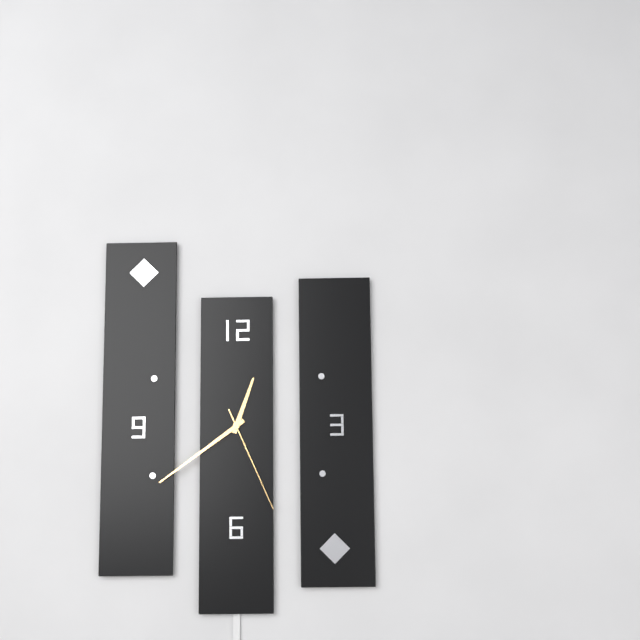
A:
12.39.26
